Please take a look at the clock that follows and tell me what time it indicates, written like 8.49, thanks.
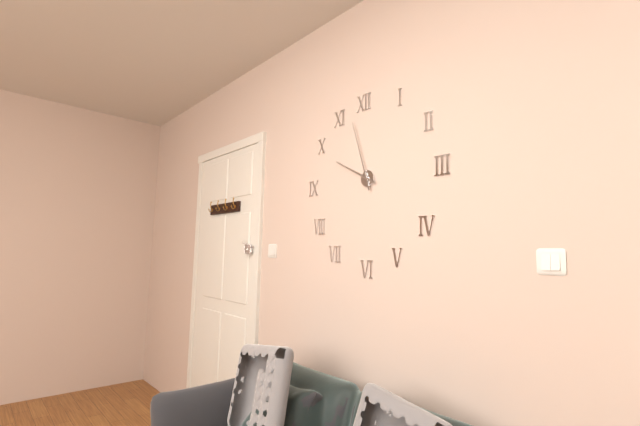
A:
9.57
